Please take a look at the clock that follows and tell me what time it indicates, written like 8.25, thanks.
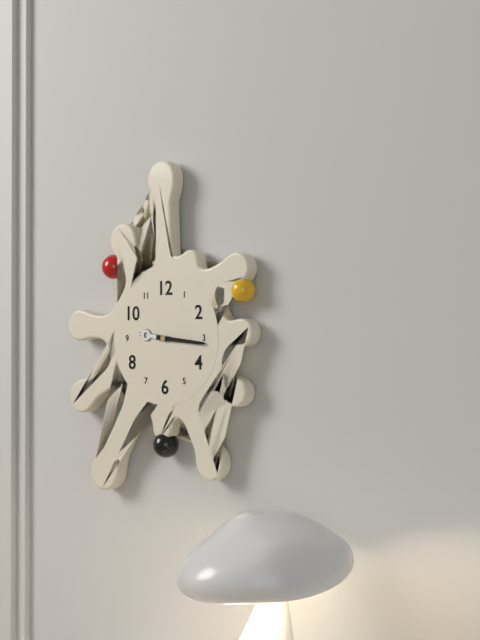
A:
9.16
